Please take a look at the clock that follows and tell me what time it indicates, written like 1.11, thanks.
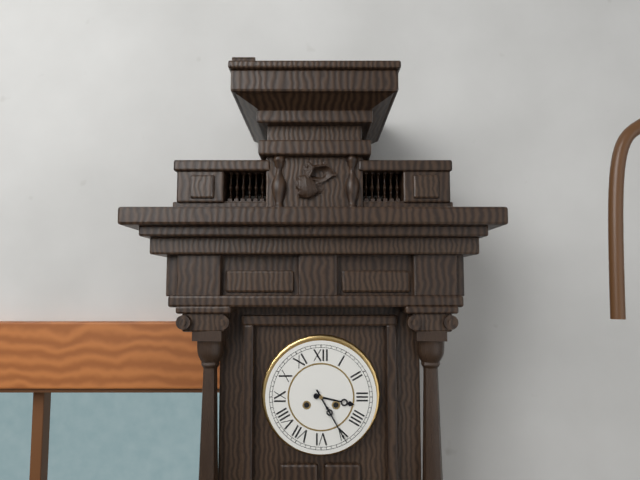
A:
3.25
